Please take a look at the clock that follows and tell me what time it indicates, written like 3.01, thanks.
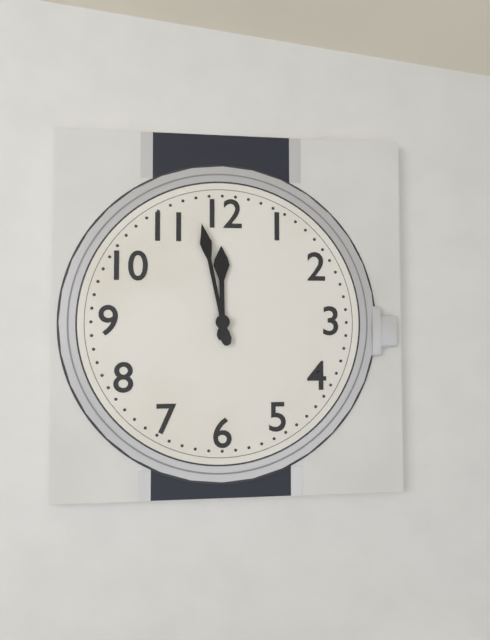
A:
11.58
